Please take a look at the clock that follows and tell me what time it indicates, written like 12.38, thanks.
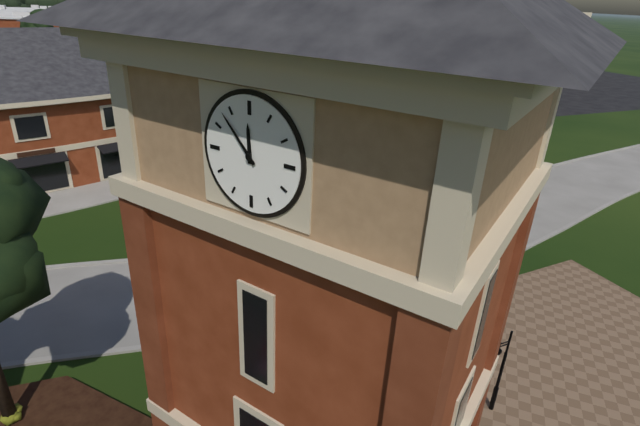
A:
11.53
